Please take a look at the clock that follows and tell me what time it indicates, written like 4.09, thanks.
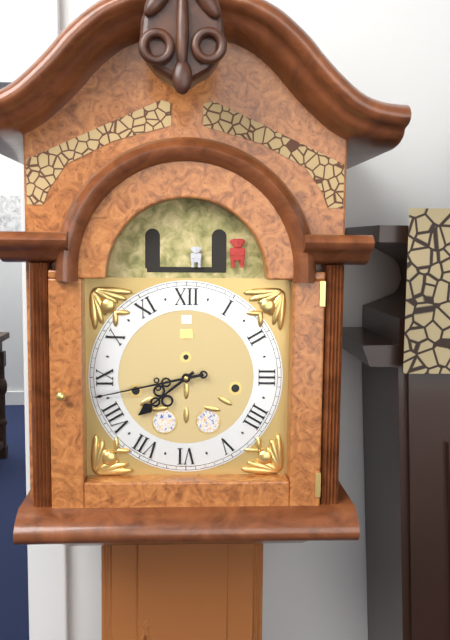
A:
7.43
